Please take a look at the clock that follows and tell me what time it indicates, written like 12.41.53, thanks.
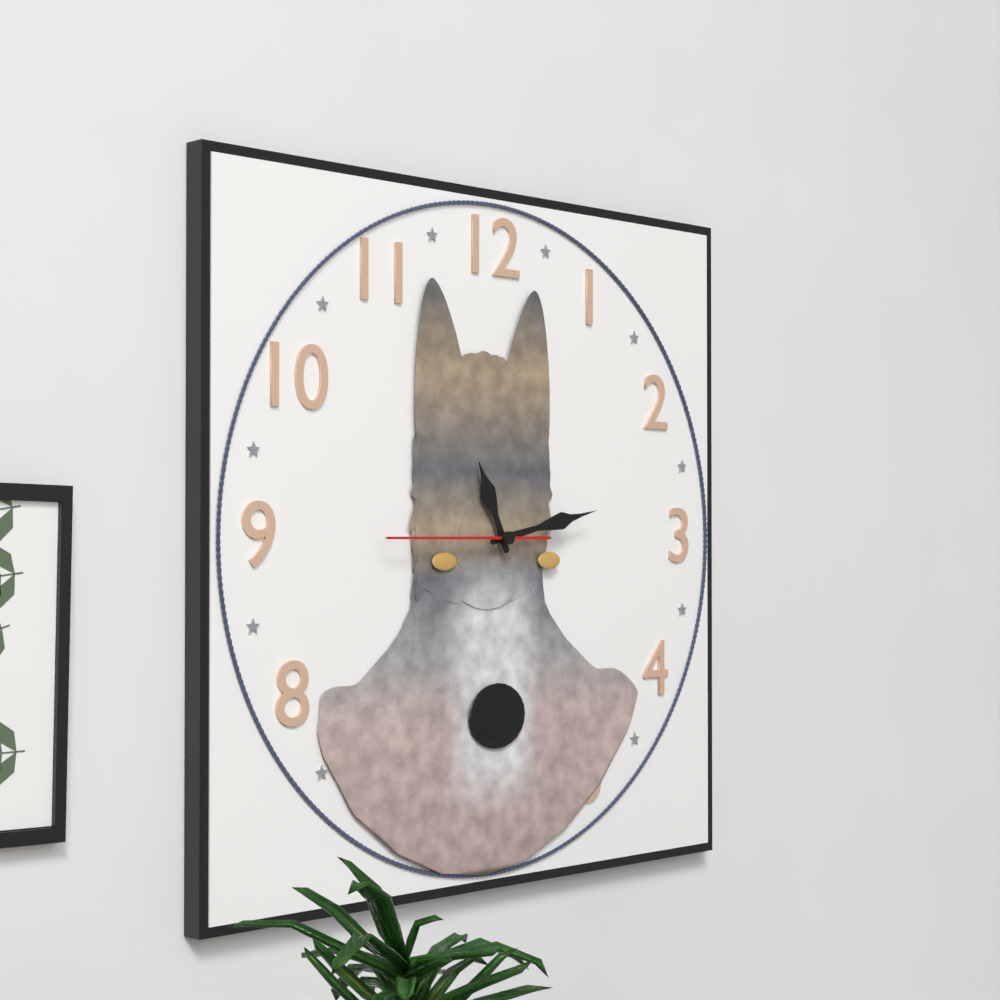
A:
11.13.45
